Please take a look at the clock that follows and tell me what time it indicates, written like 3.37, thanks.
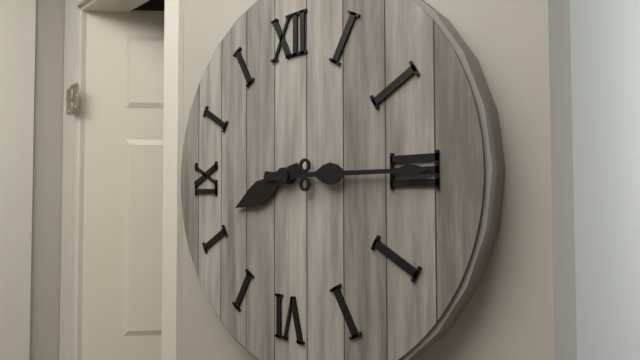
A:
8.15
